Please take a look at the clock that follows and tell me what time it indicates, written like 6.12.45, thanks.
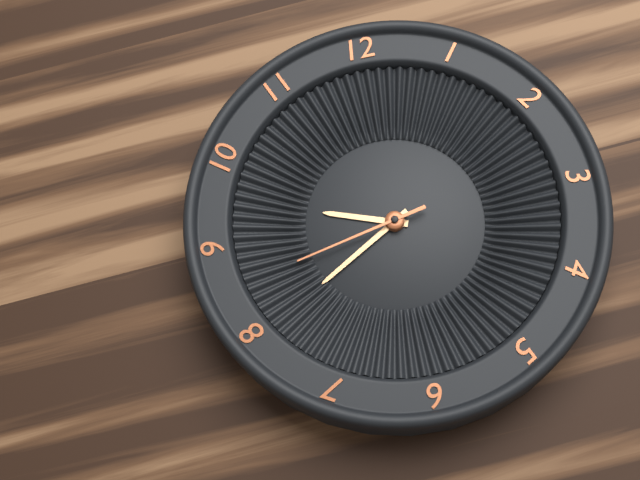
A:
9.40.43
